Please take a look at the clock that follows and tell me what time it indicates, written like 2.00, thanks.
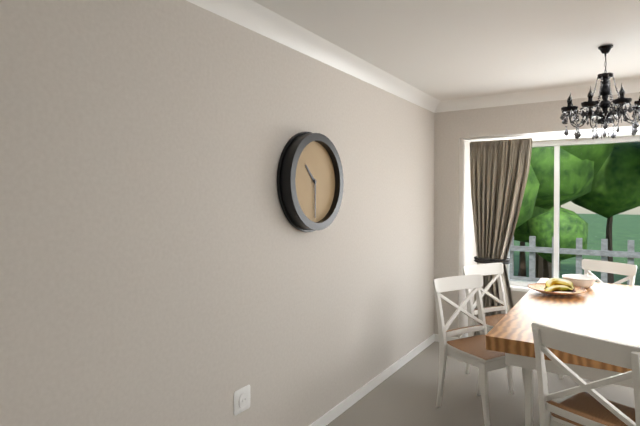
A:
10.30
